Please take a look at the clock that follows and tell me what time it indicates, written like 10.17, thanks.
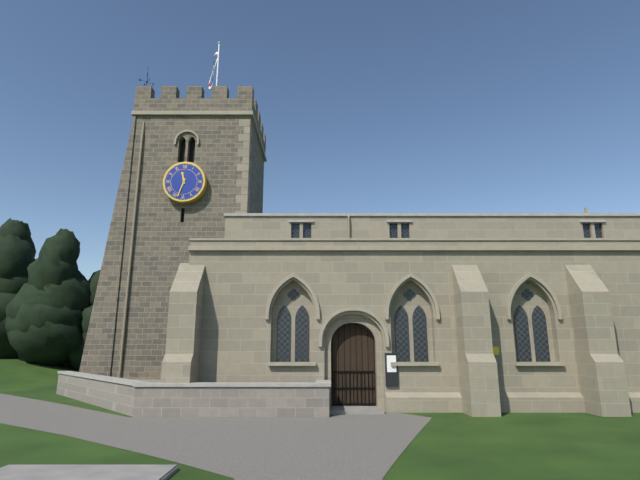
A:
11.33
